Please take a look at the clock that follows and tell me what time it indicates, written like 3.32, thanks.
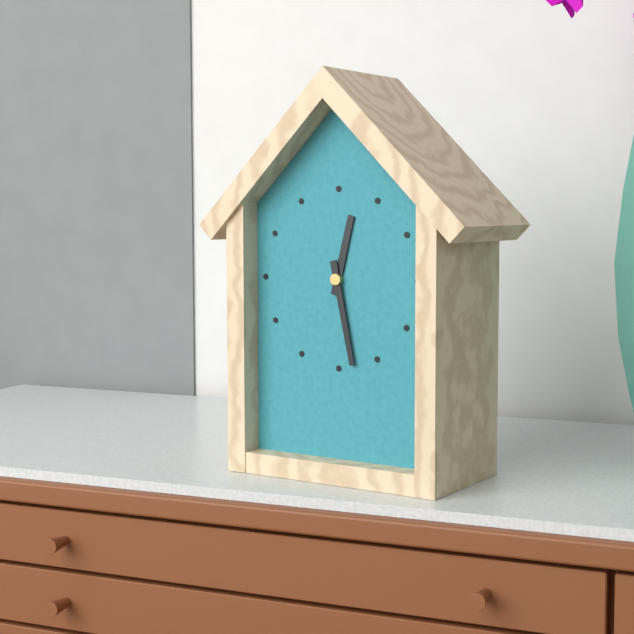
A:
12.28
